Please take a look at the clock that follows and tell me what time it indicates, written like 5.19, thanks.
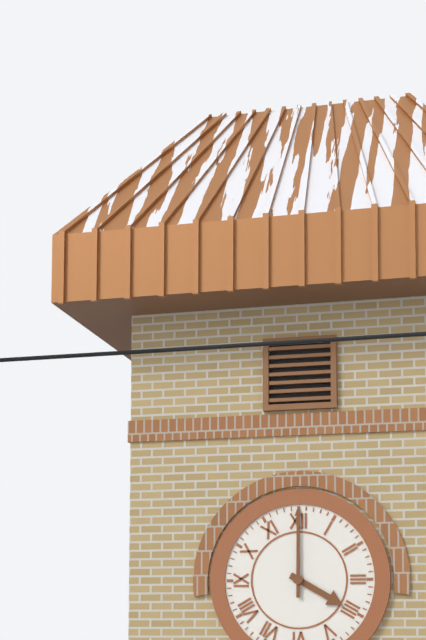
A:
4.00
